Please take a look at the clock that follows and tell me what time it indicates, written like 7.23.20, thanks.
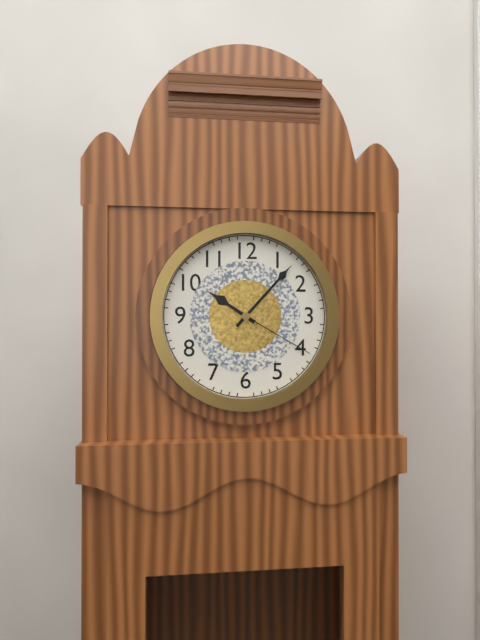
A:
10.07.20
